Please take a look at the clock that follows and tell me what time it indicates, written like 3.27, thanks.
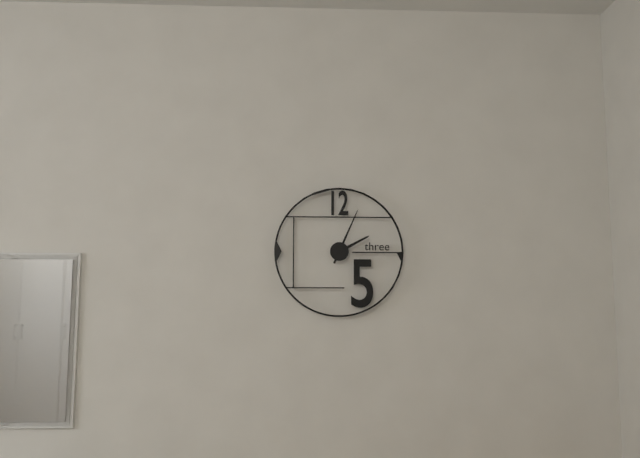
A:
2.04
